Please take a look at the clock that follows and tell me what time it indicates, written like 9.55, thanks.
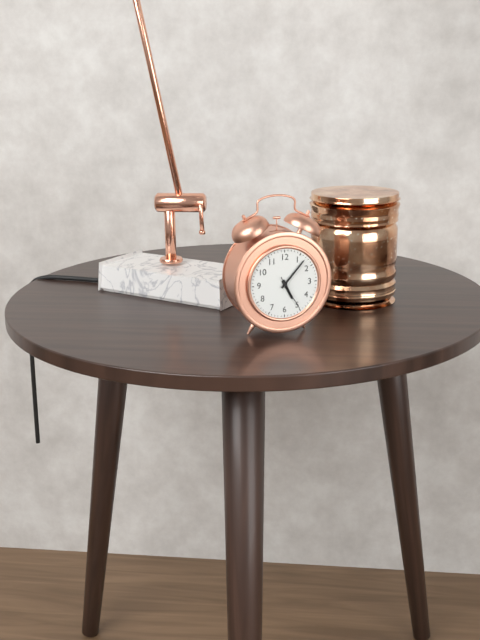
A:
5.07
